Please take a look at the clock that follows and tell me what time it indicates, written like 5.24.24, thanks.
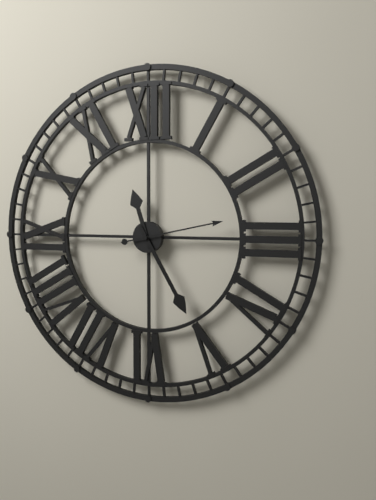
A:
11.25.13
